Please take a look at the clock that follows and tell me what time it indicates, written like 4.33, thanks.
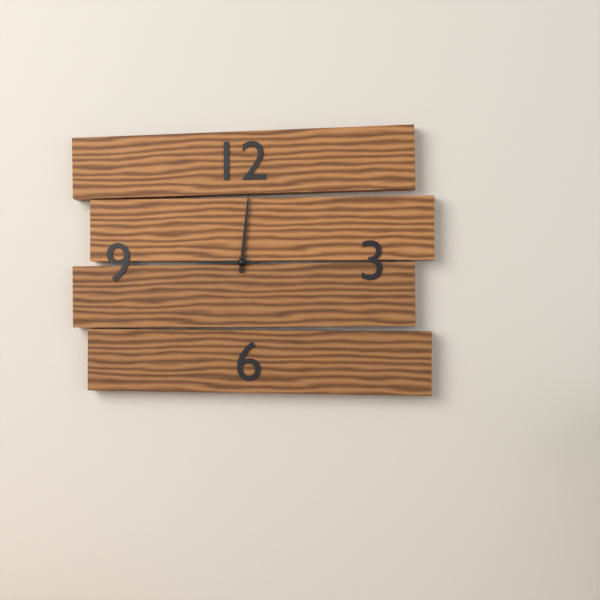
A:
9.01
